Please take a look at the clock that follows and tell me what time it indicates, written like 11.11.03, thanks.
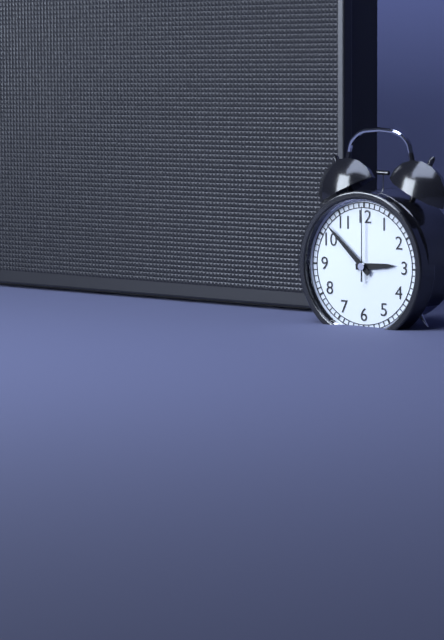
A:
2.52.00
